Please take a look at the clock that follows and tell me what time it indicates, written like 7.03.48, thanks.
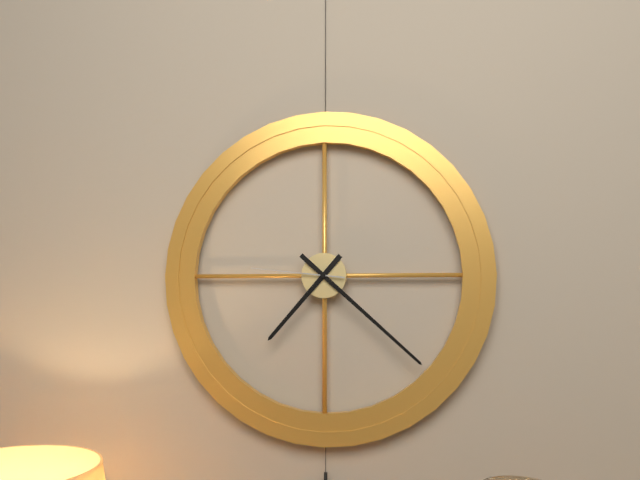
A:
7.22.46
